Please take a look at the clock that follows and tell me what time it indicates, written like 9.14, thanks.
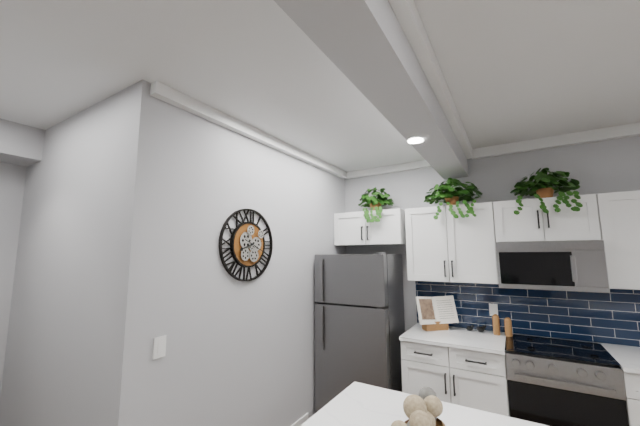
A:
8.19
